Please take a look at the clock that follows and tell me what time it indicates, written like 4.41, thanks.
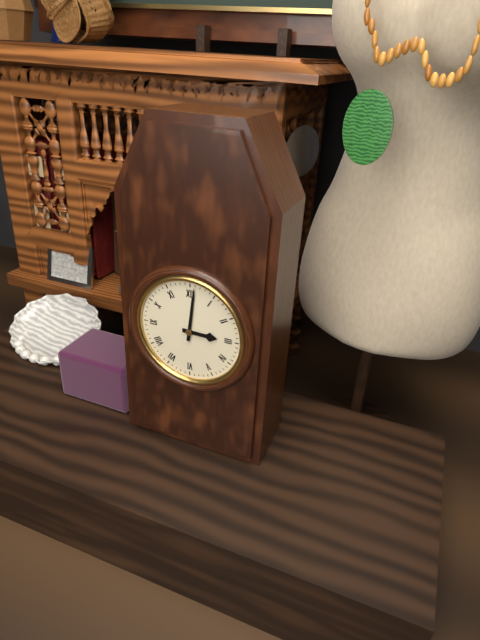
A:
3.01
